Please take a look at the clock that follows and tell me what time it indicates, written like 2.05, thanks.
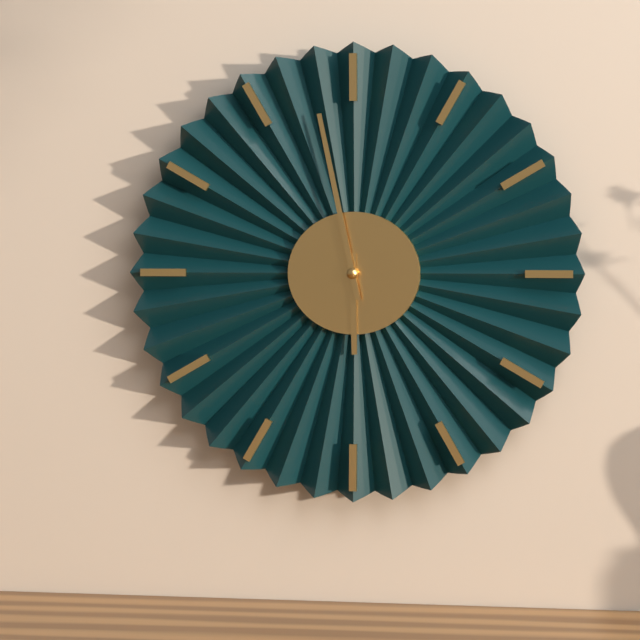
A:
5.58
